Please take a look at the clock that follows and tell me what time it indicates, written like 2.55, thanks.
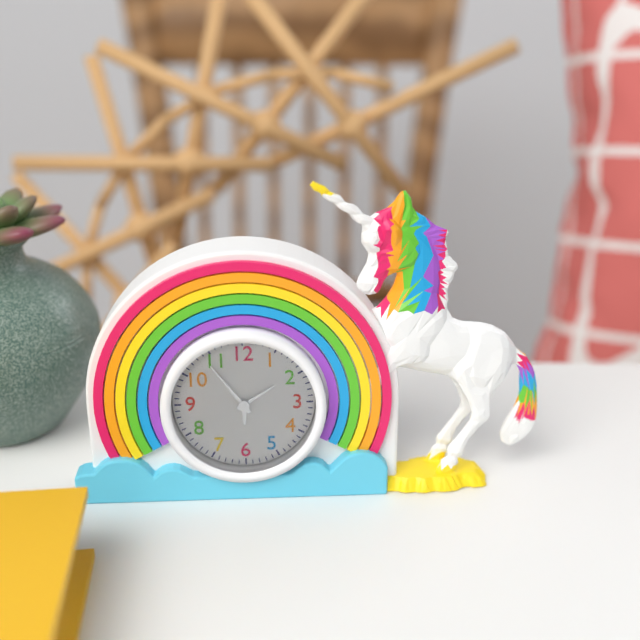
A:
1.54
